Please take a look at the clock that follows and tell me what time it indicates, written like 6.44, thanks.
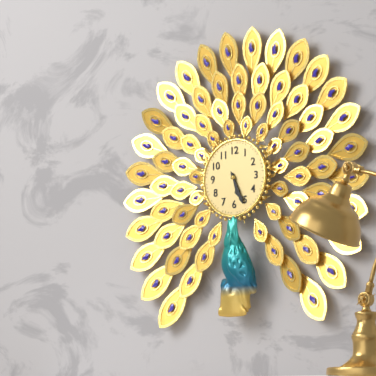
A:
5.26
